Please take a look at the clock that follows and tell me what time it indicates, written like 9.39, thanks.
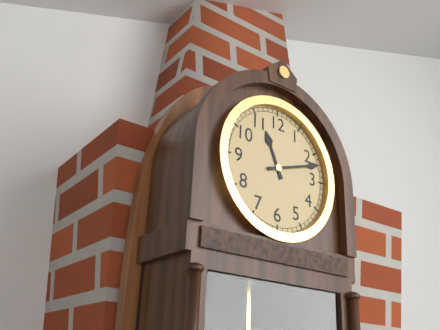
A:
11.12
